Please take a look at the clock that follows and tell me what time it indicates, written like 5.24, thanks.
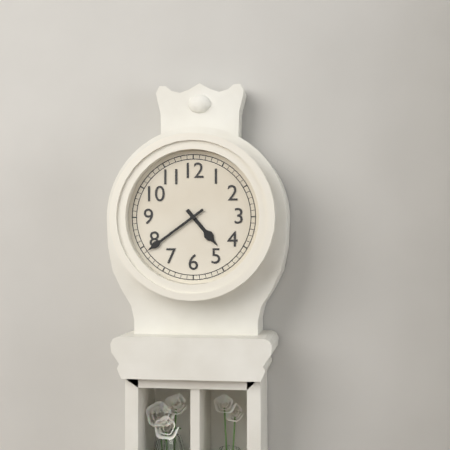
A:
4.39
